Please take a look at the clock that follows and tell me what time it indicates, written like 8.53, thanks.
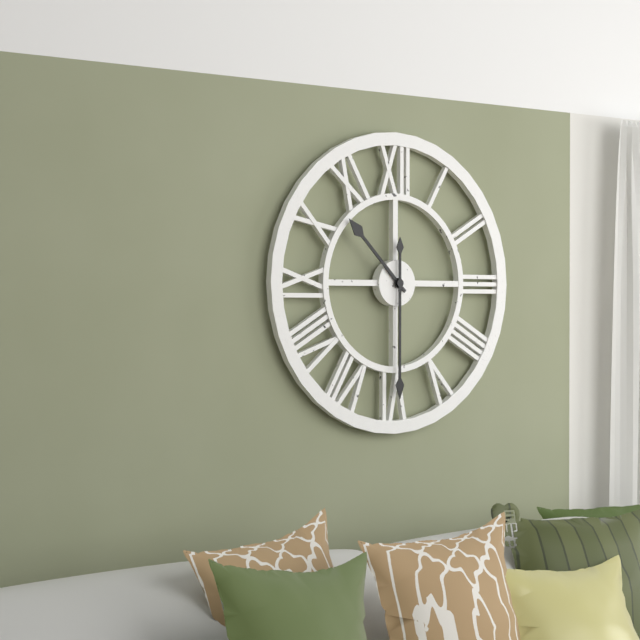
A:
10.30
